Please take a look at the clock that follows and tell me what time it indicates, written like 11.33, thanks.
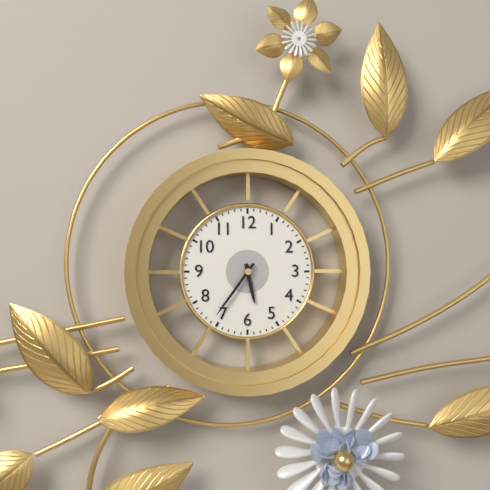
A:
5.36
